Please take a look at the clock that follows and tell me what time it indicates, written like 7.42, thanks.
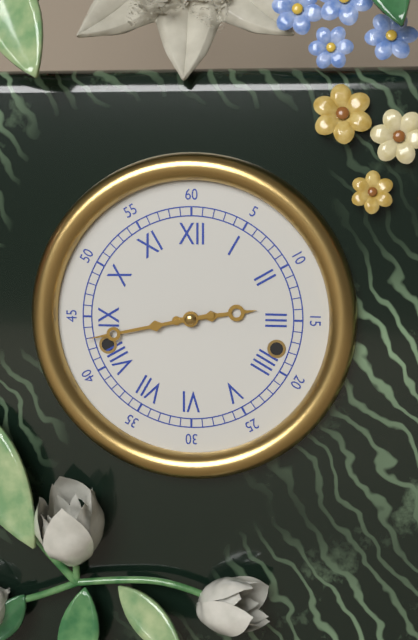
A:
2.43
